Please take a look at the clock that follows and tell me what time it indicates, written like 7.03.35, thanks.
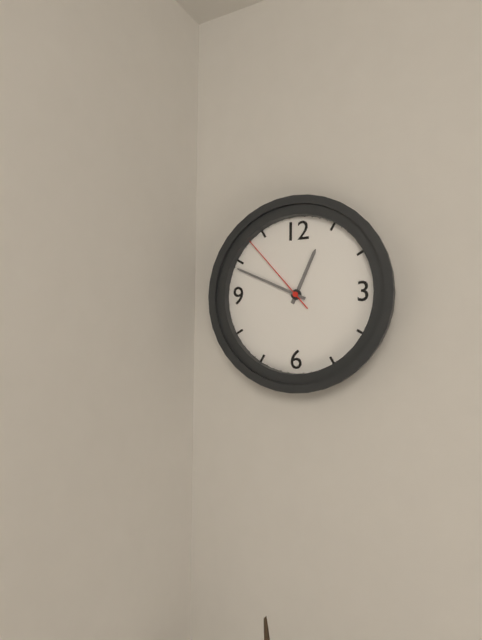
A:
12.49.53
